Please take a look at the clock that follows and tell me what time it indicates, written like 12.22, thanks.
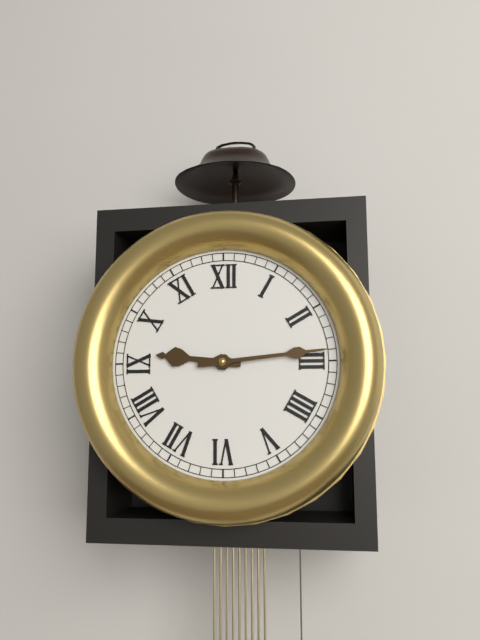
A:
9.14
